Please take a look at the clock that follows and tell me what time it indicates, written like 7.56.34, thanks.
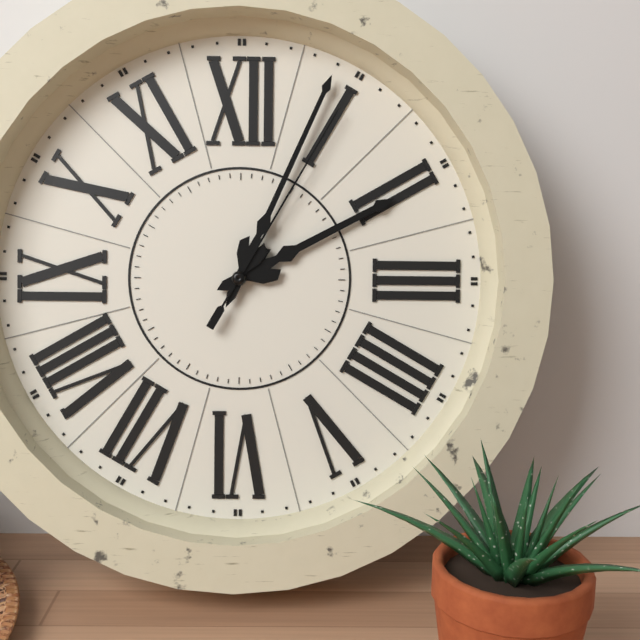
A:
2.04.05
